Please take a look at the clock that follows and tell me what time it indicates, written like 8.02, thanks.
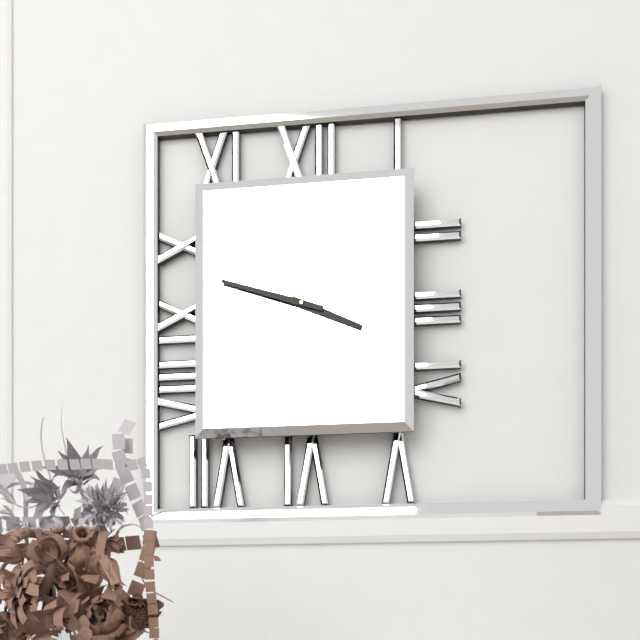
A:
3.48
